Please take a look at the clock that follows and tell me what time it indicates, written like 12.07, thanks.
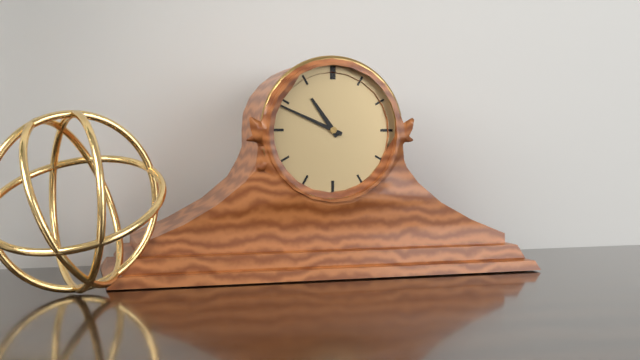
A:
10.49
